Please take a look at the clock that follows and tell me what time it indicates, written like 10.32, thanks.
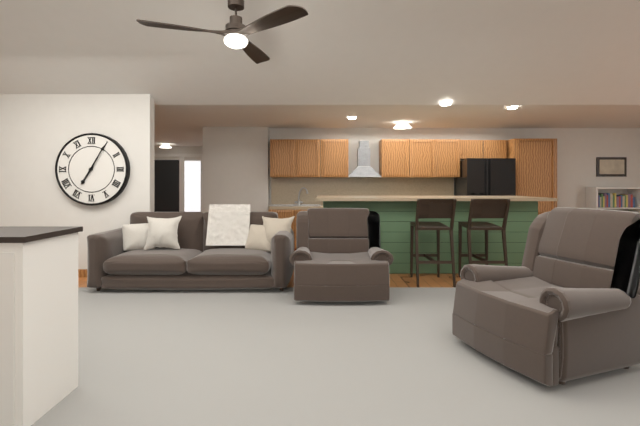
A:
7.05
